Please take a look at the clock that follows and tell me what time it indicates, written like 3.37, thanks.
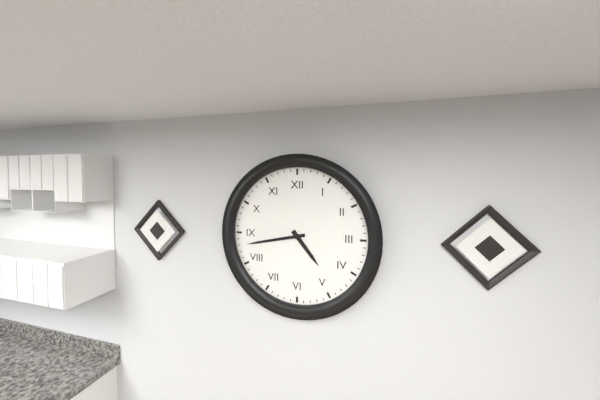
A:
4.43
